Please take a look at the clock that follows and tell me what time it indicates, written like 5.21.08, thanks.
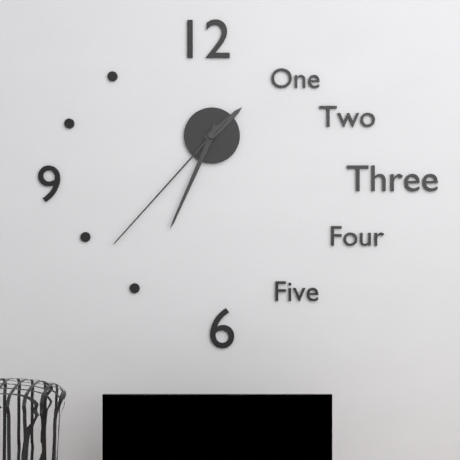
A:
1.34.37
